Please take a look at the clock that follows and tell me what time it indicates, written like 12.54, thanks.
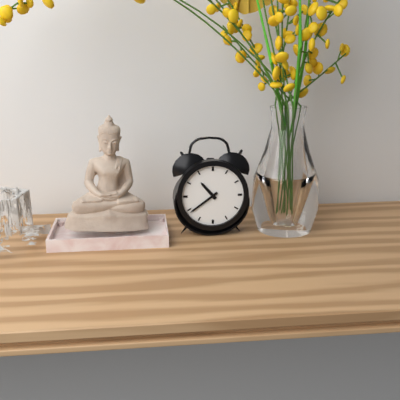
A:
10.39
